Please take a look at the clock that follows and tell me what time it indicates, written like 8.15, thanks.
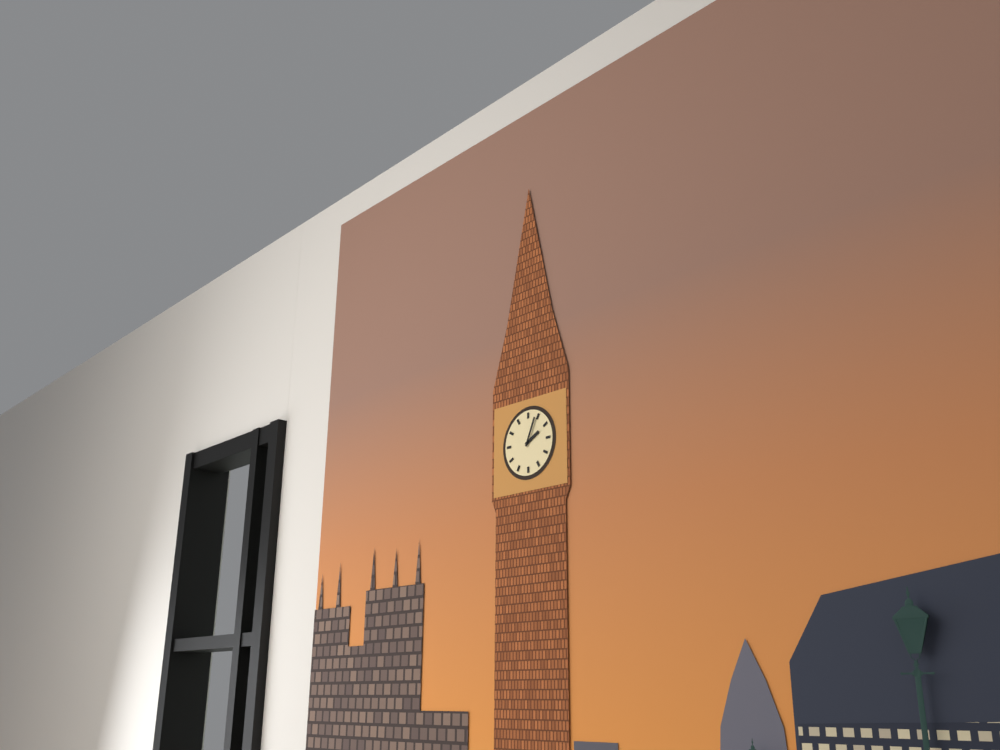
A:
2.04
